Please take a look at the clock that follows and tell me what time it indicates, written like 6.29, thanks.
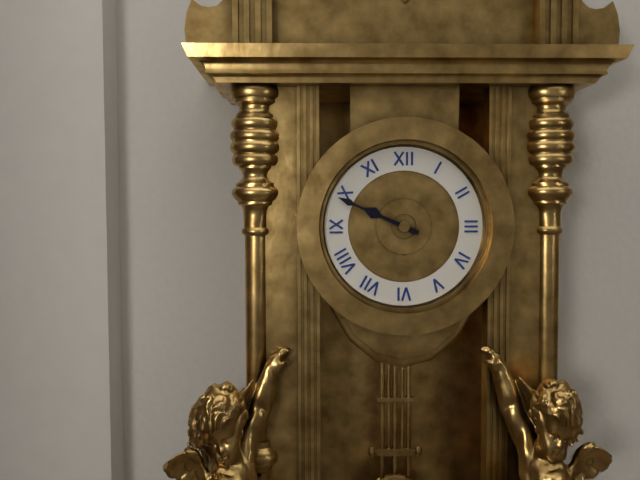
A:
9.49
